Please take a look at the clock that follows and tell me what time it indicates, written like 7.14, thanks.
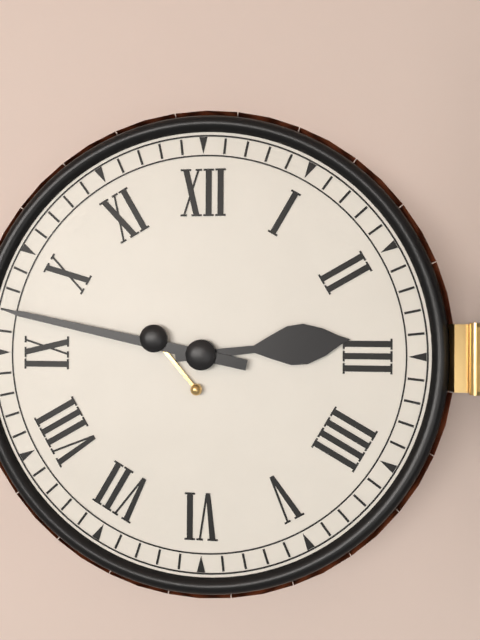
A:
2.47
